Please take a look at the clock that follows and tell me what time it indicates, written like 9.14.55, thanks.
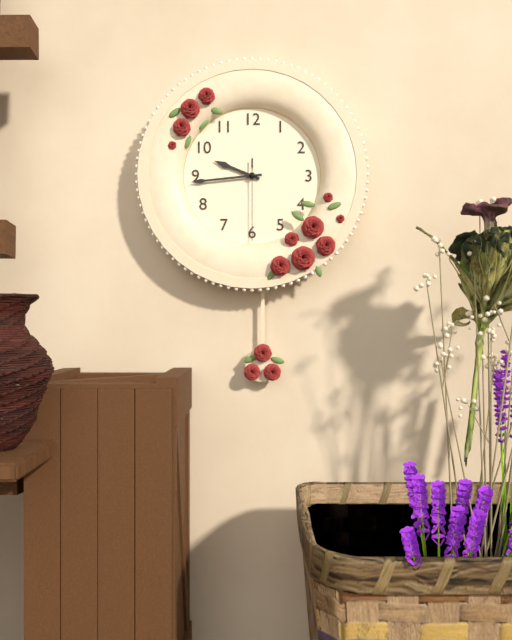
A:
9.44.30
